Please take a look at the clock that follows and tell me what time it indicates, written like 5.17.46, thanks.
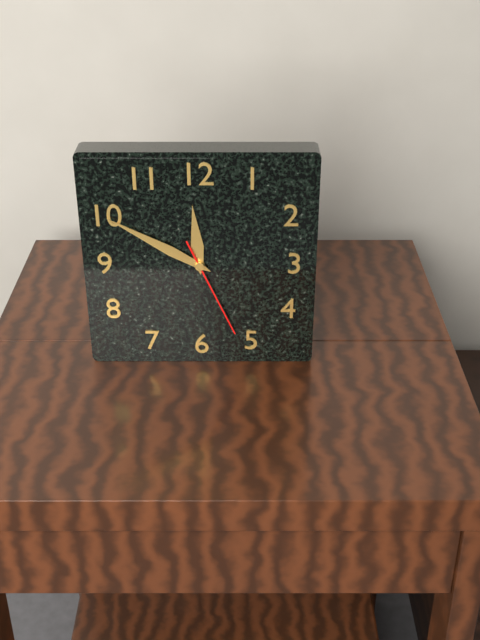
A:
11.50.26
